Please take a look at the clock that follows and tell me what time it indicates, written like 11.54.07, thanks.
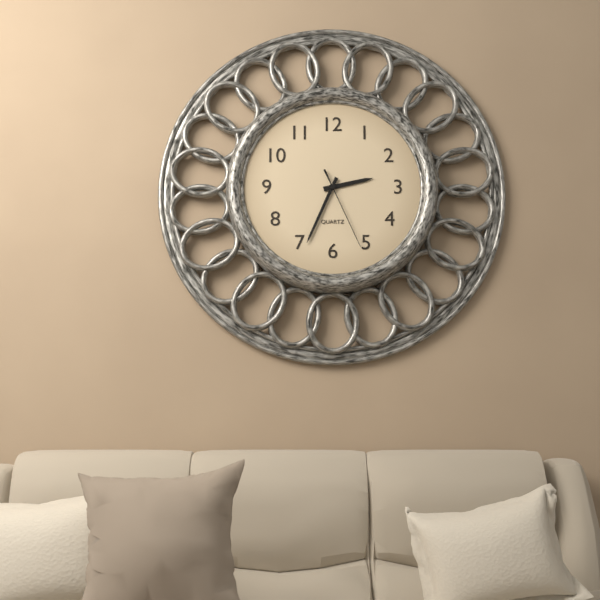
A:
2.34.26
